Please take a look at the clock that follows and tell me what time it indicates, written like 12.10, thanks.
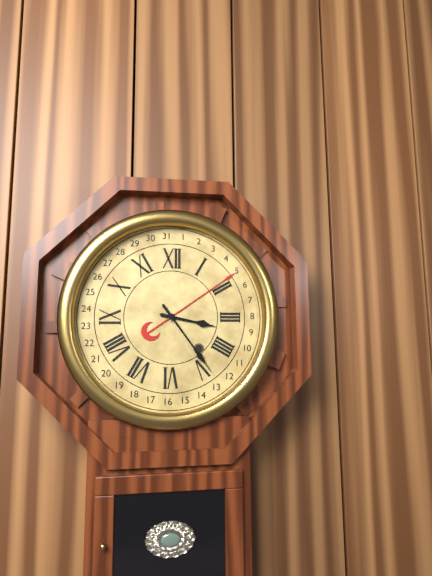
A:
3.24
